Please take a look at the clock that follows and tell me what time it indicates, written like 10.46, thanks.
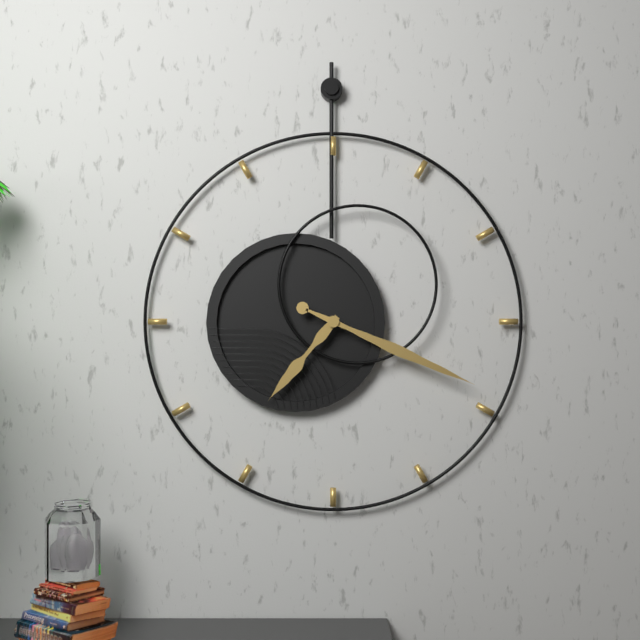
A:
7.19
